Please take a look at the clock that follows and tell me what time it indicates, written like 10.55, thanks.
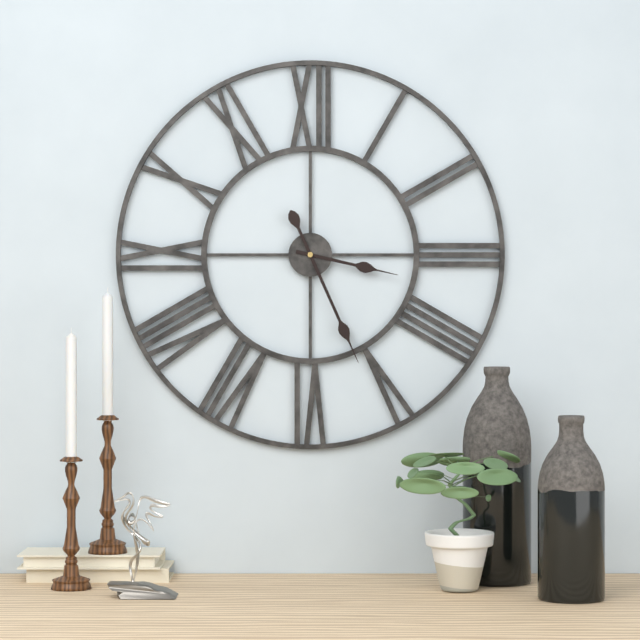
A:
3.26
